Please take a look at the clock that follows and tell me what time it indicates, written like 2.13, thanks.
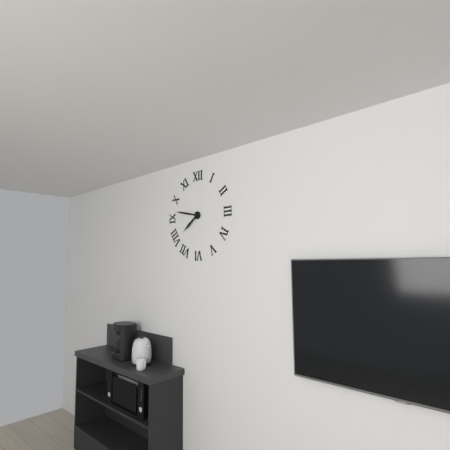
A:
7.47
